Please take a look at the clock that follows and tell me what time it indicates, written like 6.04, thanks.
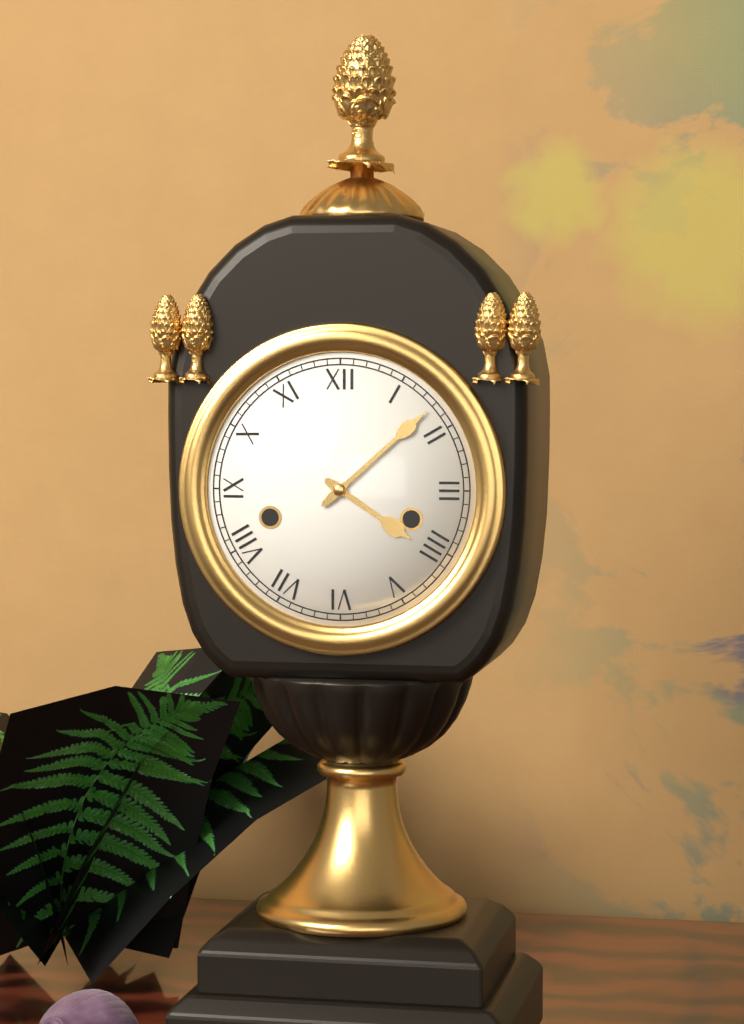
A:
4.08
